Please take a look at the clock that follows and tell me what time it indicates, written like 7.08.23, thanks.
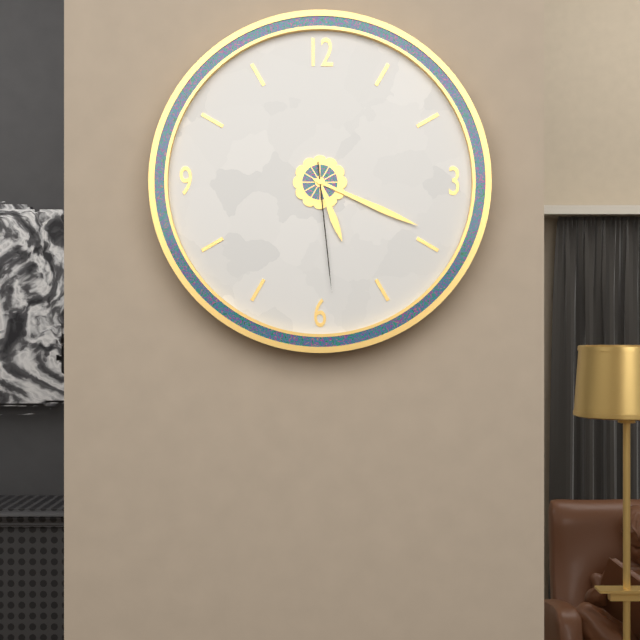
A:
5.19.29
